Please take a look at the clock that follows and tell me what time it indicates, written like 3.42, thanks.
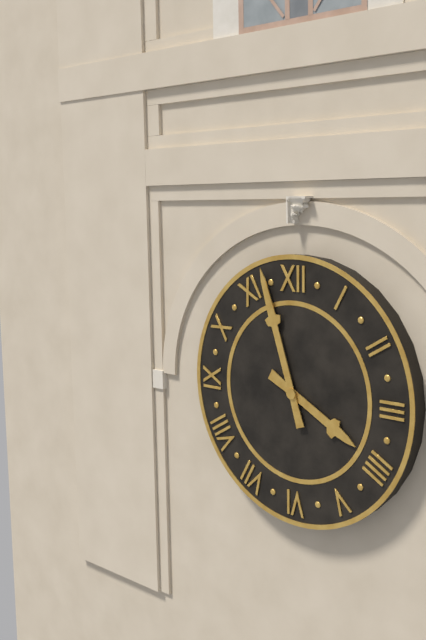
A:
3.57
